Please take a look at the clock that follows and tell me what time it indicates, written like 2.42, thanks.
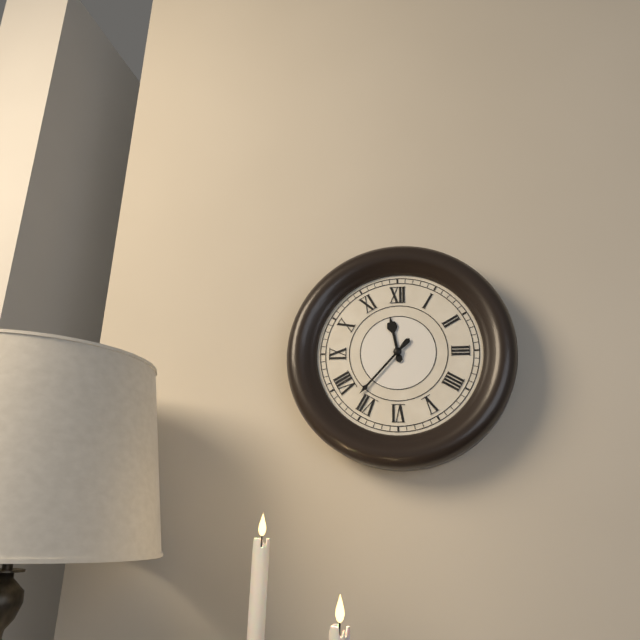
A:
11.37
